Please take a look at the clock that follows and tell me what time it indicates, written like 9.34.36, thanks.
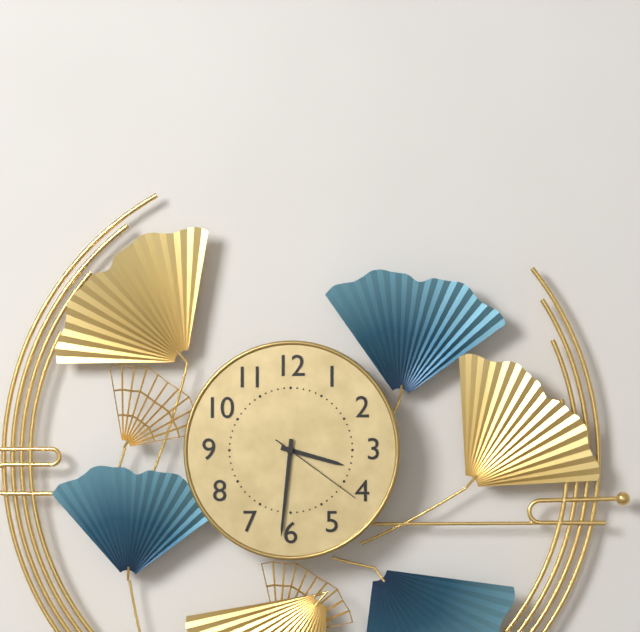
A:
3.31.21
